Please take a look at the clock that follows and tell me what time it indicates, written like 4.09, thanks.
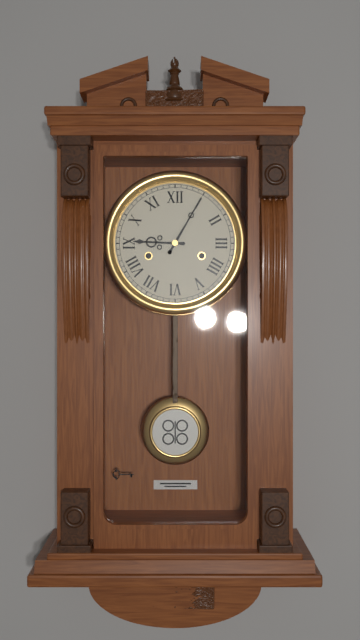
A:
9.05
